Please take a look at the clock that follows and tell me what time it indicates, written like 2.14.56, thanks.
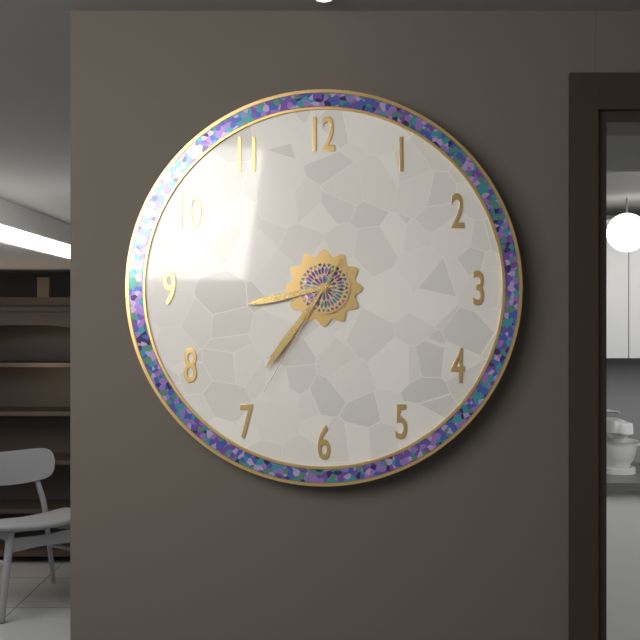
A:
8.36.35
